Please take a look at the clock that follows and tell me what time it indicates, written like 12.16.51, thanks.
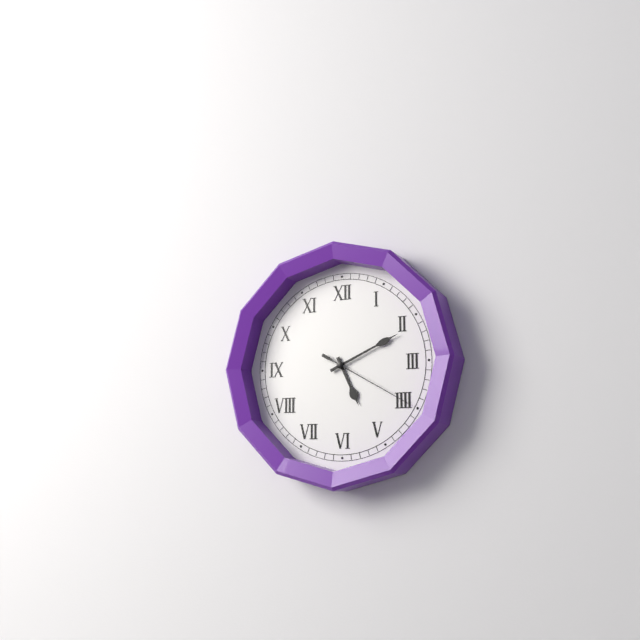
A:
5.11.20
